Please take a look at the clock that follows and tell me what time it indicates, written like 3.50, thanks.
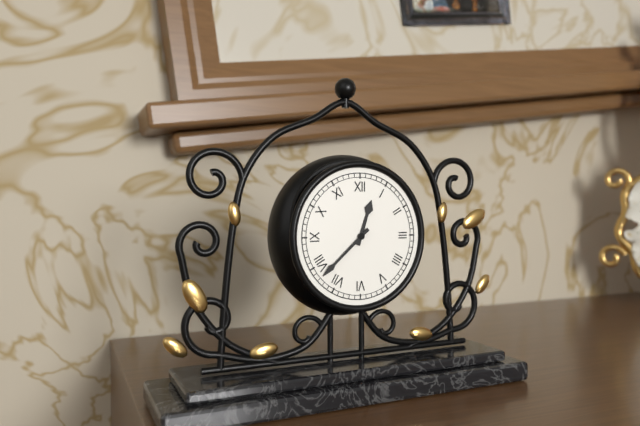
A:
12.38
